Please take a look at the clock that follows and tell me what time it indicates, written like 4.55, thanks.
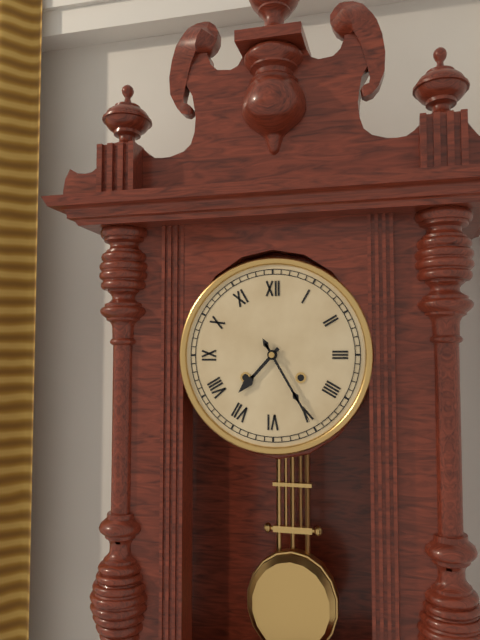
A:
7.25
